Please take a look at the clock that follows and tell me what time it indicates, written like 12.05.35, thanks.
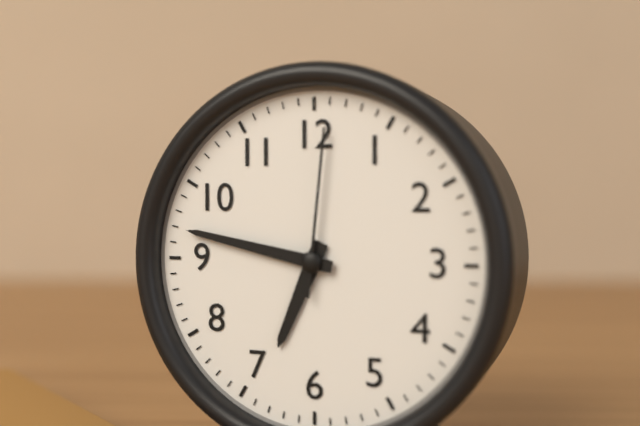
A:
6.47.01
